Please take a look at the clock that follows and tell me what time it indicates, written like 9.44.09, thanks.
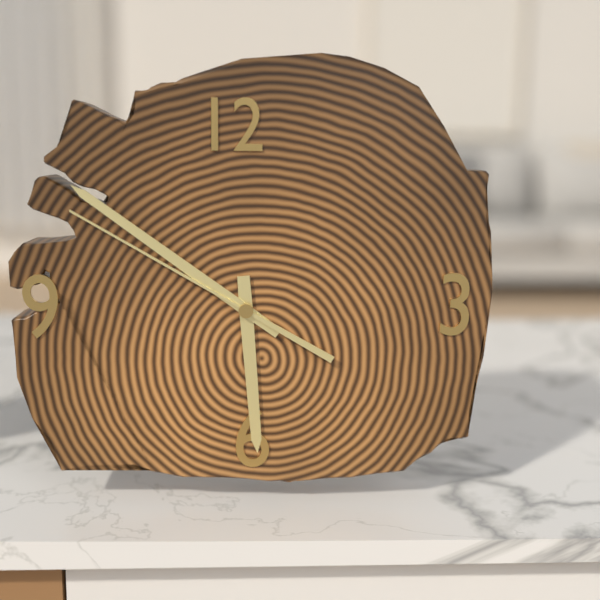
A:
5.51.50
